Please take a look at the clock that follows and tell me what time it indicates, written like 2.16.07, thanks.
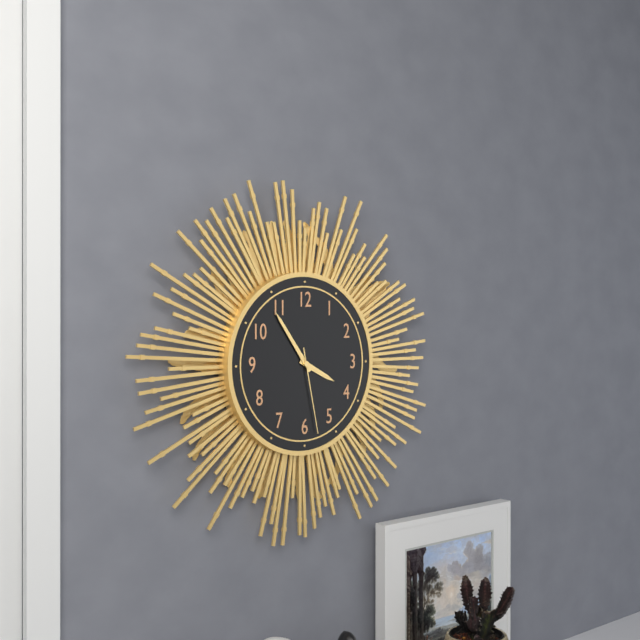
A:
3.54.28
